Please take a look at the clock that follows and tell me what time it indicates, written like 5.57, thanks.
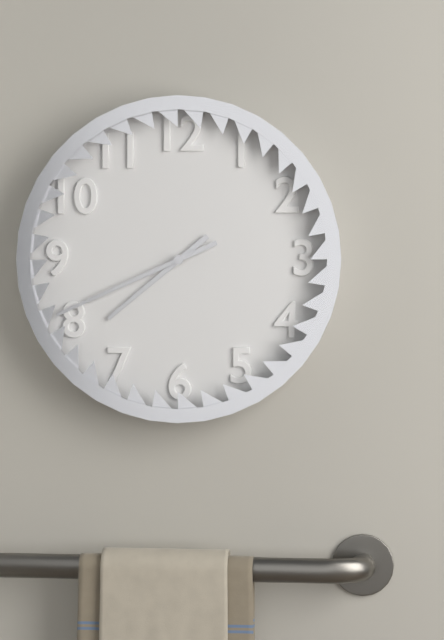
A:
7.41
